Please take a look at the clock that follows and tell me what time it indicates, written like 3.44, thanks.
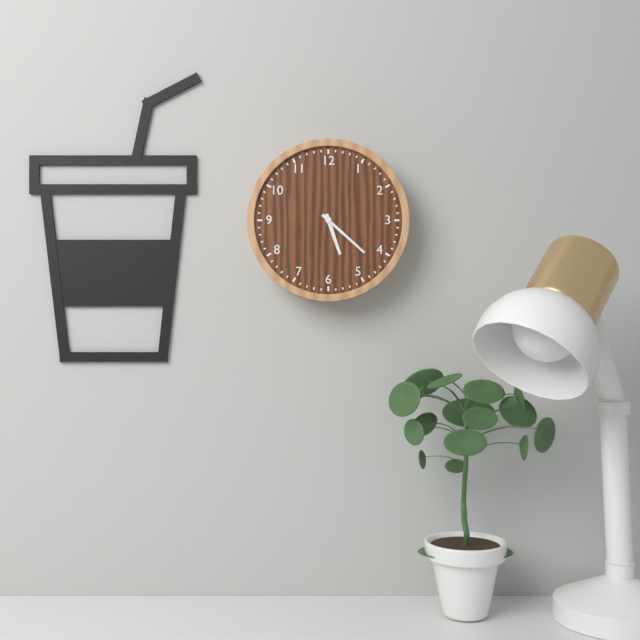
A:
5.22
